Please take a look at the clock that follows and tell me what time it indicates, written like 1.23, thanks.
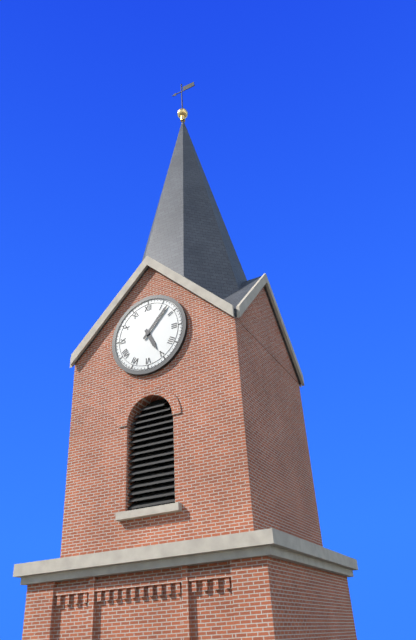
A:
5.07
